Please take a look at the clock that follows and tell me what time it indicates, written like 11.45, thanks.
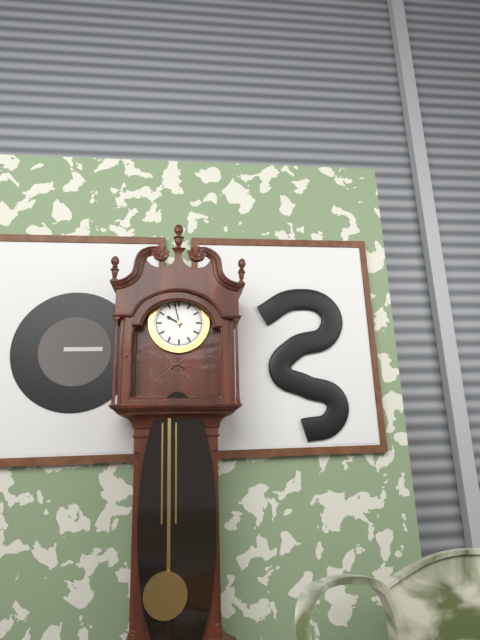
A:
9.58
